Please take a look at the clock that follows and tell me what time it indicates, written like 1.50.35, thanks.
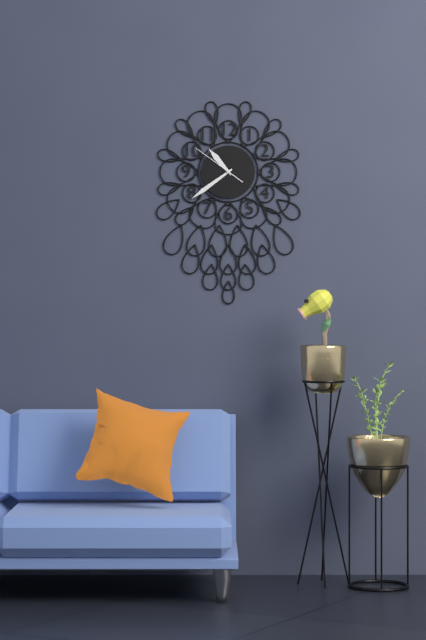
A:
10.39.51
